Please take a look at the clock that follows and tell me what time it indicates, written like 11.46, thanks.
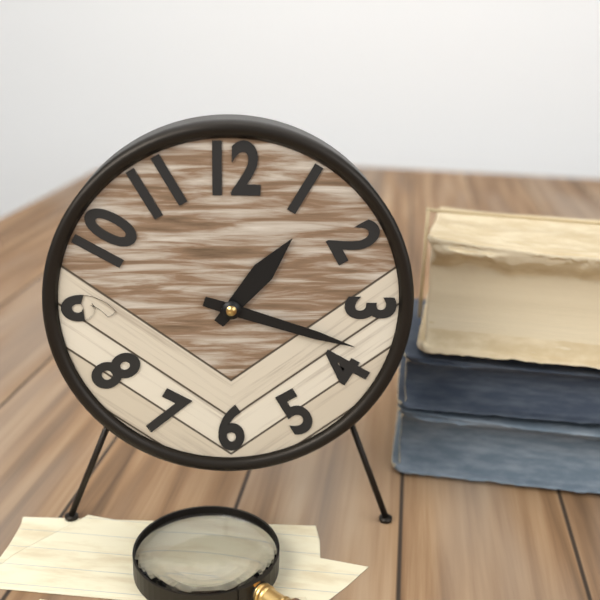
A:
1.18
